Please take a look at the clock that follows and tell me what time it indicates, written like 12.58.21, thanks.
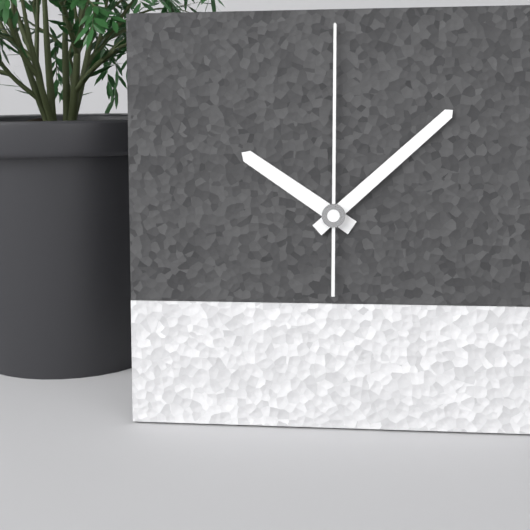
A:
10.08.00
